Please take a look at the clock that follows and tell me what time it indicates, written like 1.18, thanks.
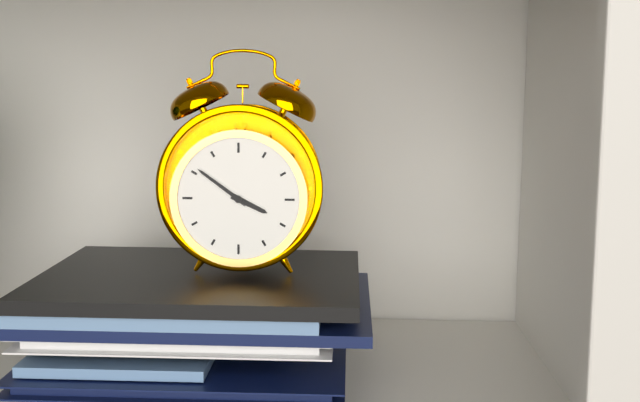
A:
3.51
